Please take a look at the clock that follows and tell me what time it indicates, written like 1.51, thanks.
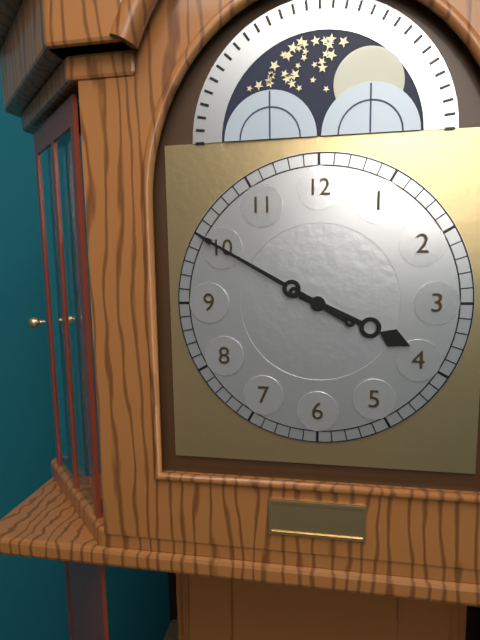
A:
3.50
